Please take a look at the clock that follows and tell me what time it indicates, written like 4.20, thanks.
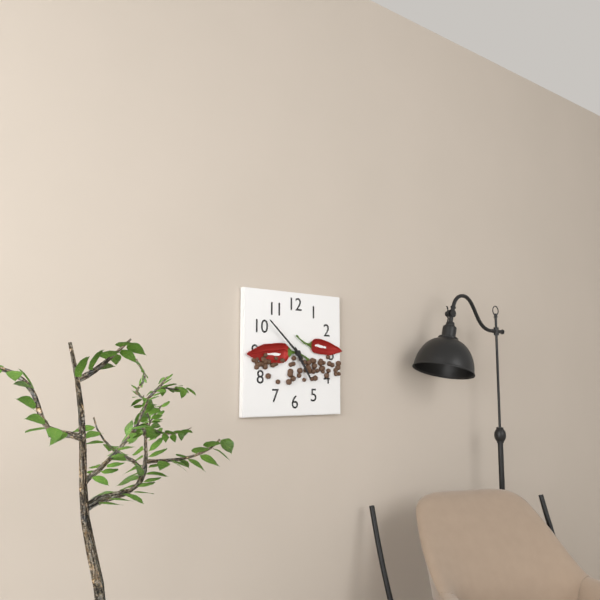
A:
4.52
